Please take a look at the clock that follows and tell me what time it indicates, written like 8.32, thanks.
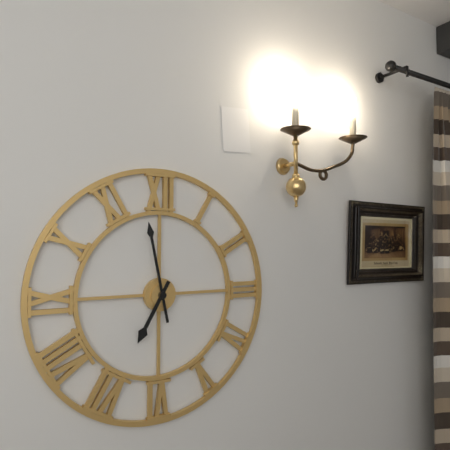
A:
6.58
